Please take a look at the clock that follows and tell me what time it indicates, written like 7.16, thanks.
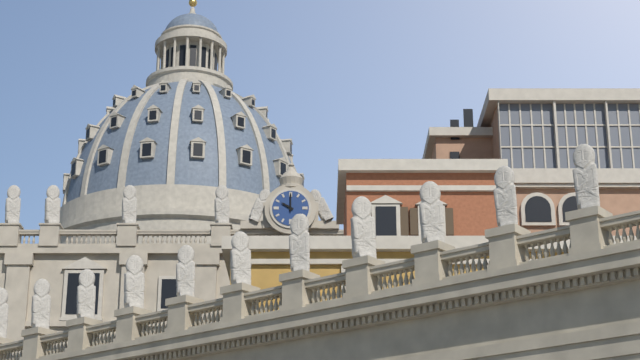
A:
10.00
